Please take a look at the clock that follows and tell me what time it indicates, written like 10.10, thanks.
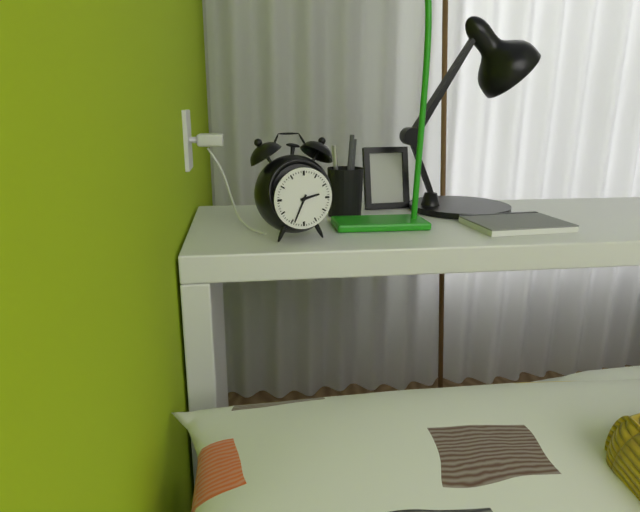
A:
2.34
